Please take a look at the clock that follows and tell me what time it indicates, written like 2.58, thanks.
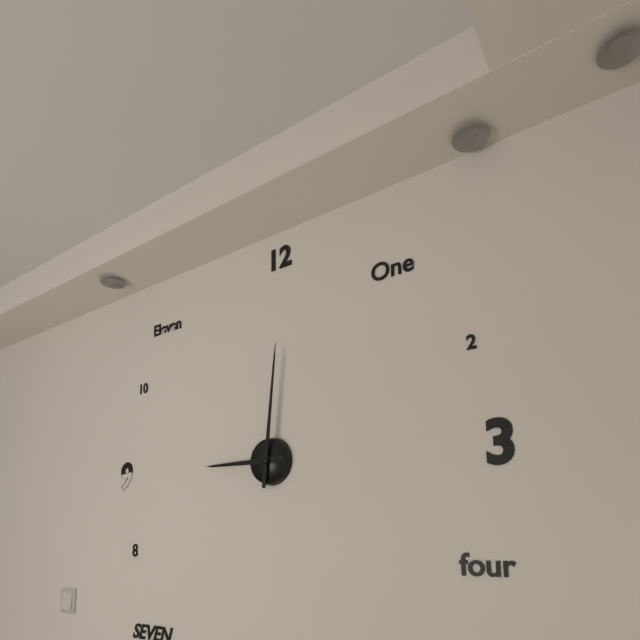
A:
9.01
